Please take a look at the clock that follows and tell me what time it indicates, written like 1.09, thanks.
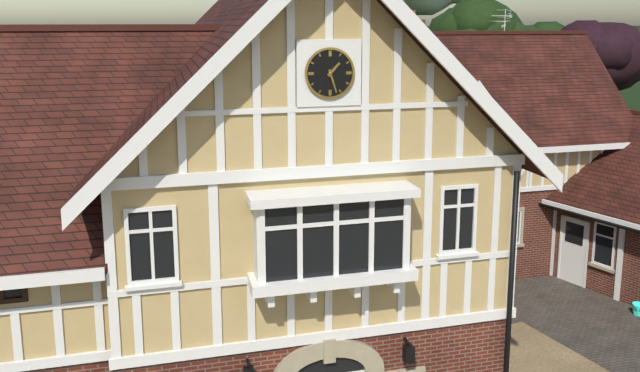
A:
1.27
